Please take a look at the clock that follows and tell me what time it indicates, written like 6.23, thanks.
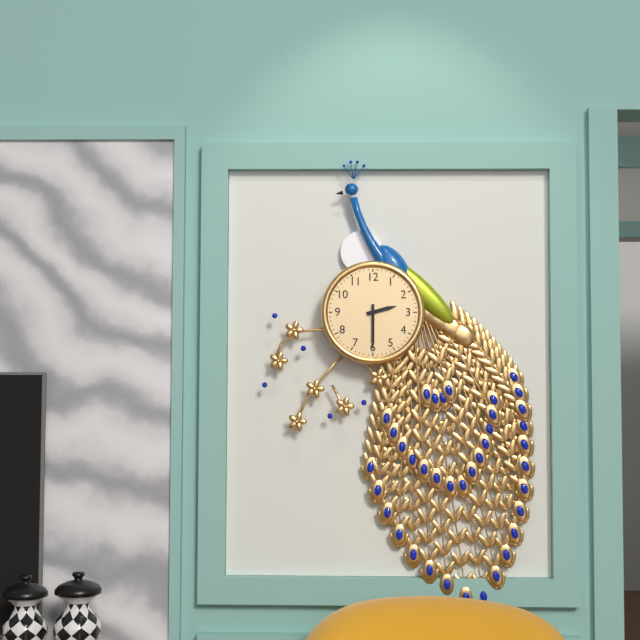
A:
2.30
